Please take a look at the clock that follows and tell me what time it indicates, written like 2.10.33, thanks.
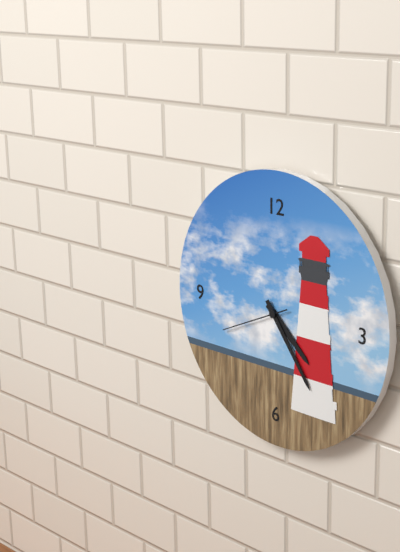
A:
4.24.41
